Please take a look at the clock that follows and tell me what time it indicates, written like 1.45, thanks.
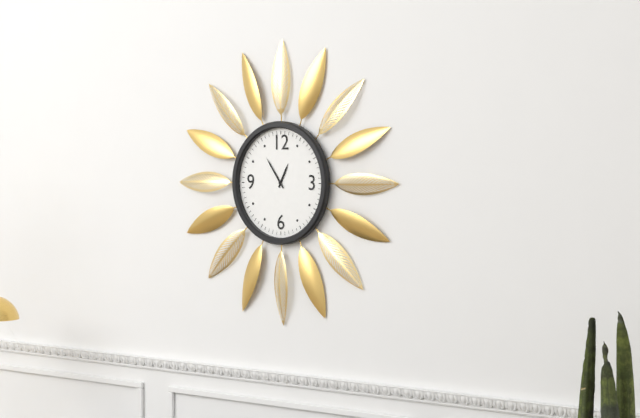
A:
12.54
